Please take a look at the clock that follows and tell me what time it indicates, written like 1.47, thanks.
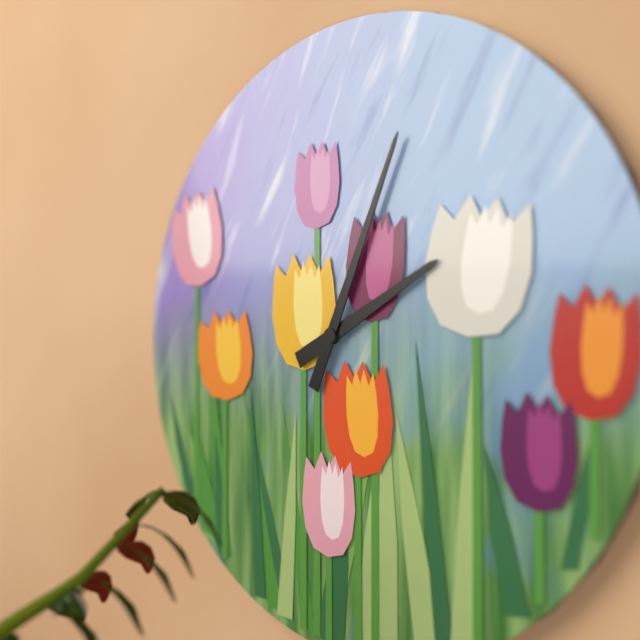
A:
2.04
